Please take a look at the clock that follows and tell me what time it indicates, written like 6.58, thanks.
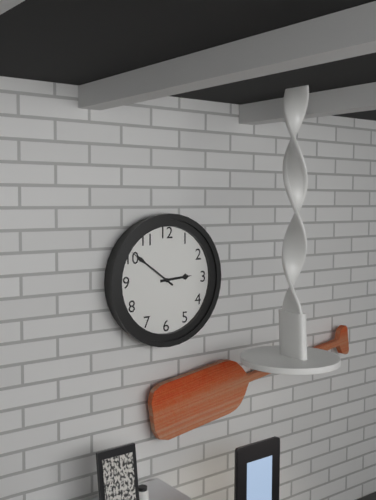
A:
2.51
